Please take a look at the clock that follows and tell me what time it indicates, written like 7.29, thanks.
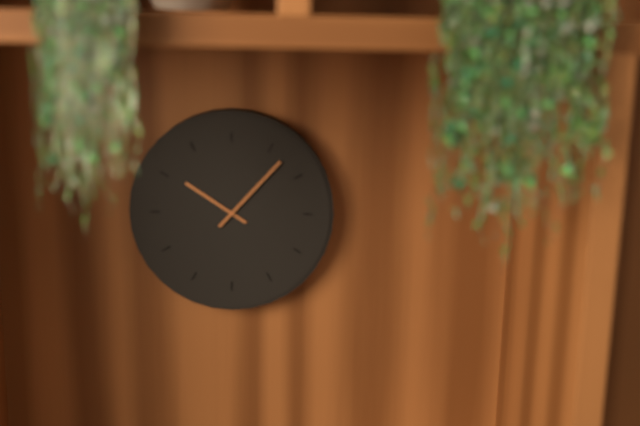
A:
10.07
